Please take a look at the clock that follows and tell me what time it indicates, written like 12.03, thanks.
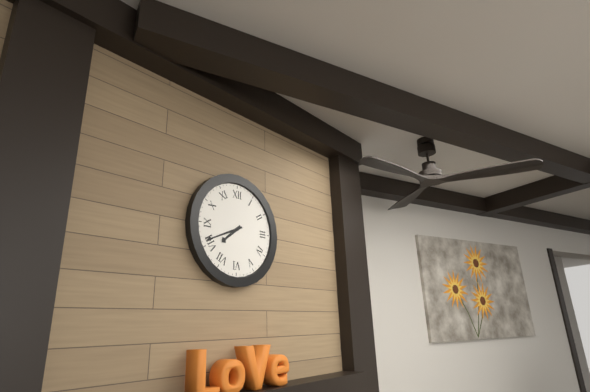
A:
7.41
